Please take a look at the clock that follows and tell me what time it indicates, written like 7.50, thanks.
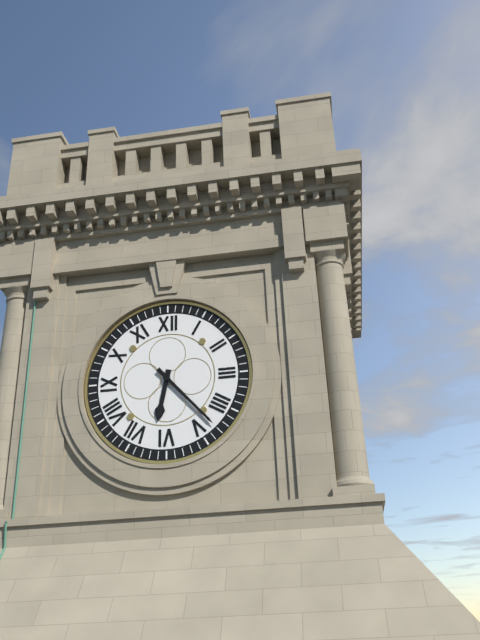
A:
6.23
